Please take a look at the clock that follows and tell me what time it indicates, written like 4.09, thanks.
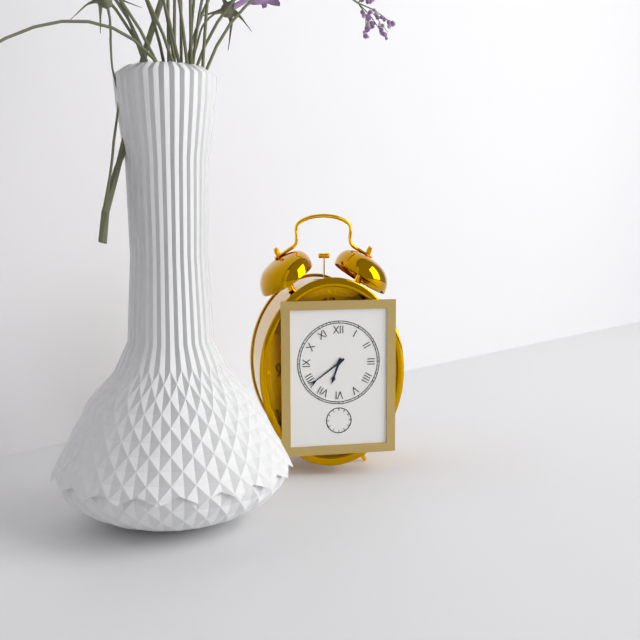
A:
6.39
